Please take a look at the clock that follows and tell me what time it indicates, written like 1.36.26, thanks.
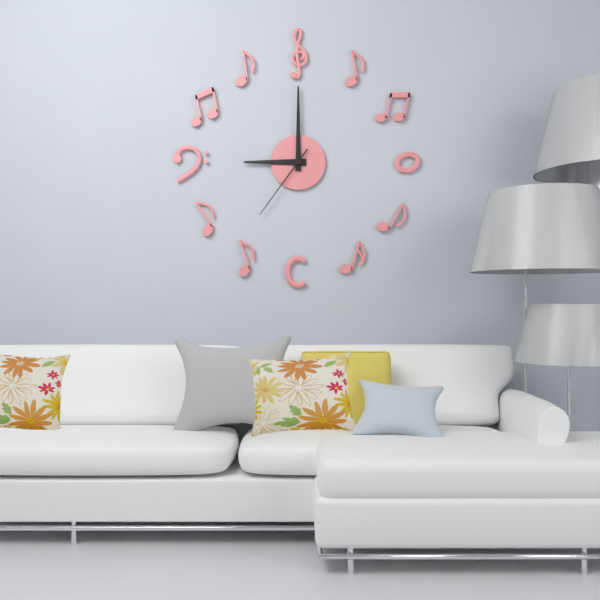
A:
9.00.36
